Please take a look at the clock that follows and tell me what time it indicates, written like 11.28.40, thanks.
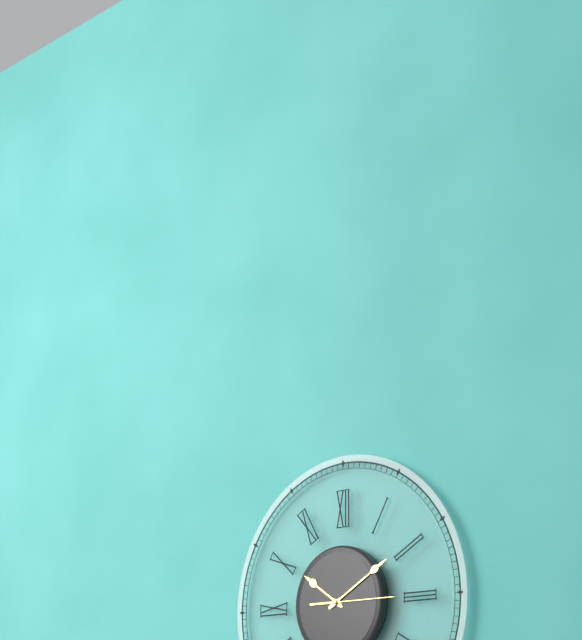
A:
10.10.15
